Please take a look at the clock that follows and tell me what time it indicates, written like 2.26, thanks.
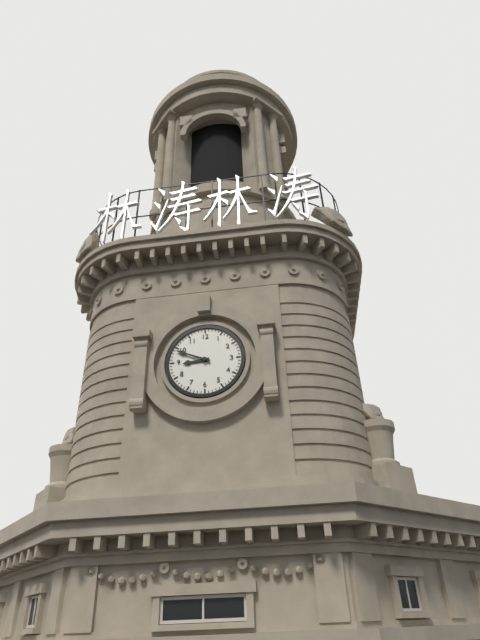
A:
8.49
